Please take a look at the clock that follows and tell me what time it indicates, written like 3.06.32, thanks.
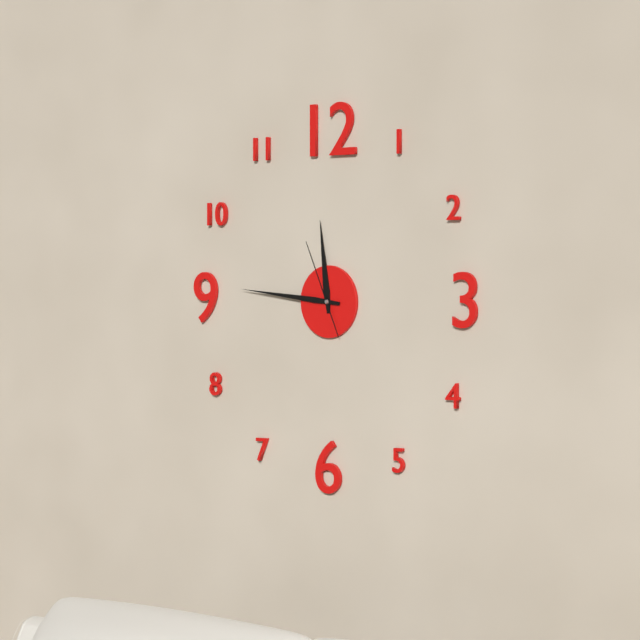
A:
11.46.56
